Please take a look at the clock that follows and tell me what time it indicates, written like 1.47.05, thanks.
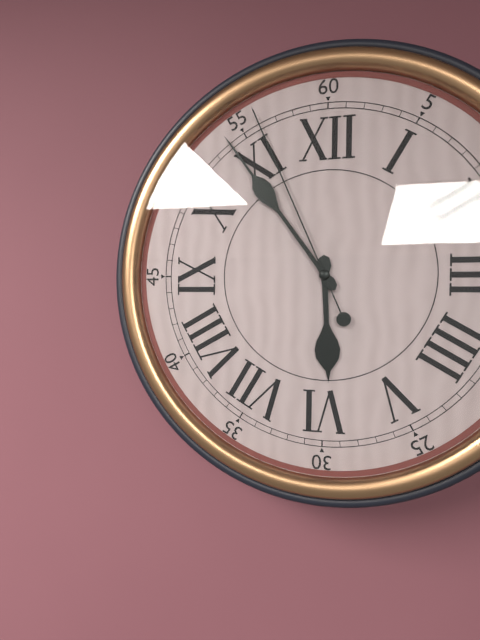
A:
5.54.56
